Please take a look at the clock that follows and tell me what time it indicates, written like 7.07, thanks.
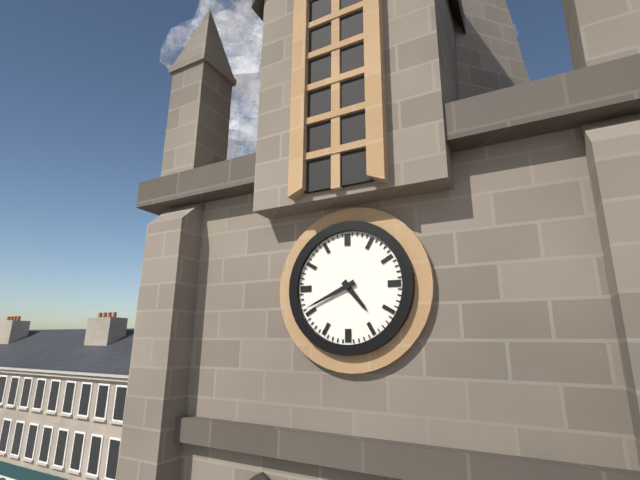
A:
4.41
